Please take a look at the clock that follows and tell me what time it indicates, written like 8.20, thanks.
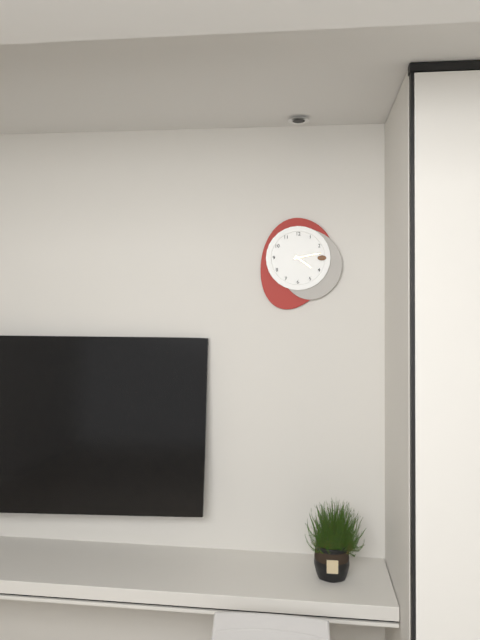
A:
4.13
